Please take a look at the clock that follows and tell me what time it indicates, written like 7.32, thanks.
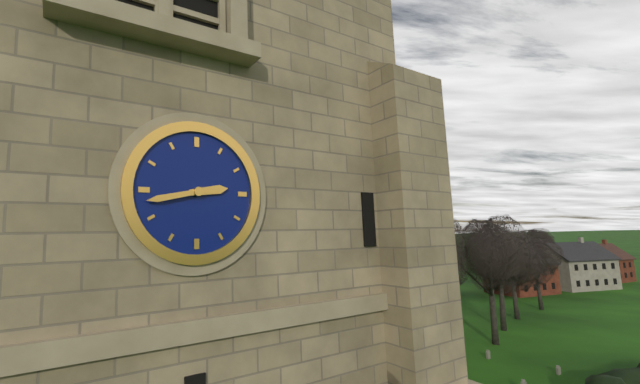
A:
2.43
